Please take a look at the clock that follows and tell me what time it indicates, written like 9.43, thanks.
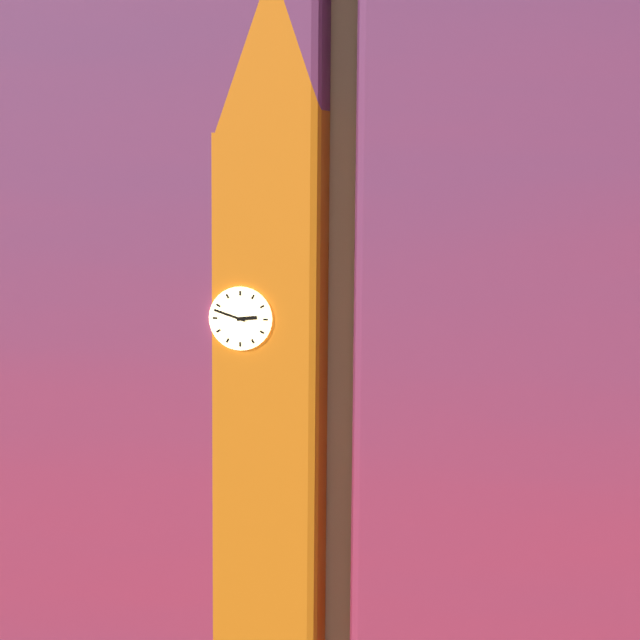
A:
2.48
